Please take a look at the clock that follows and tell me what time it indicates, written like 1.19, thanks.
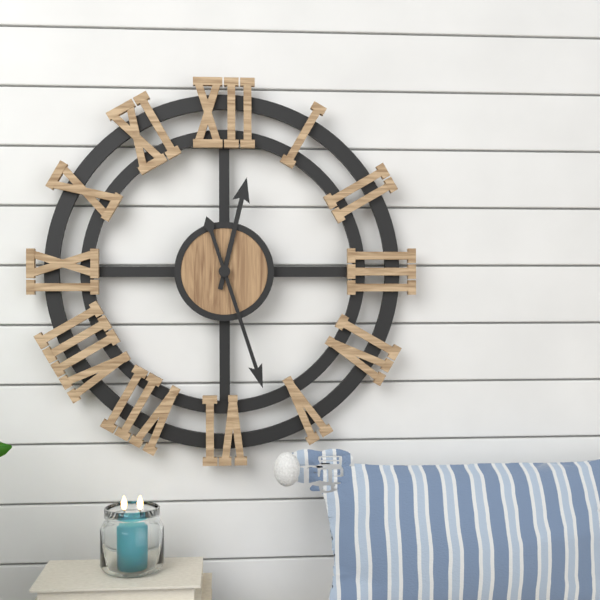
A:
12.27
